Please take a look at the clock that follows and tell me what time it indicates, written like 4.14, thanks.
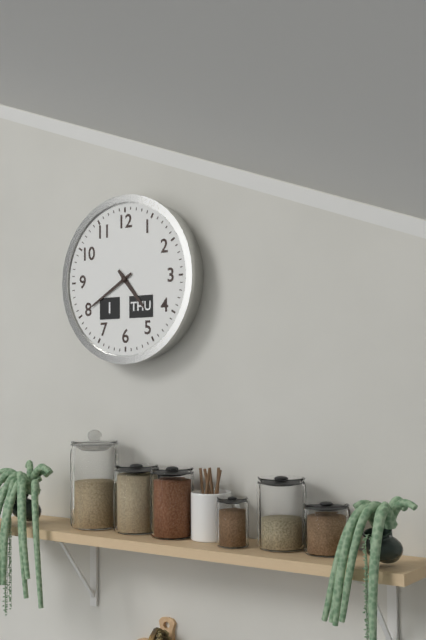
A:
4.40
